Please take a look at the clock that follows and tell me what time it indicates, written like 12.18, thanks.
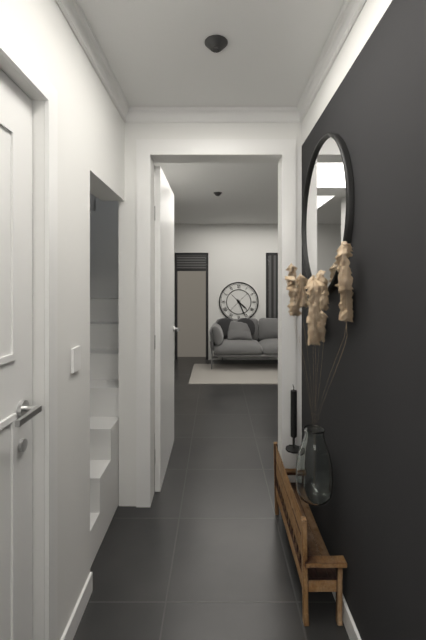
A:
4.26
